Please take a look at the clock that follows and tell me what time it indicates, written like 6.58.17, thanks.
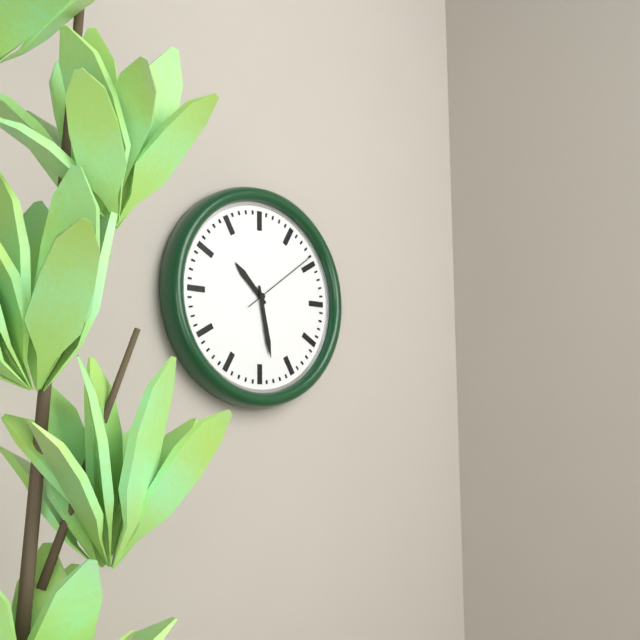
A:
10.28.09
